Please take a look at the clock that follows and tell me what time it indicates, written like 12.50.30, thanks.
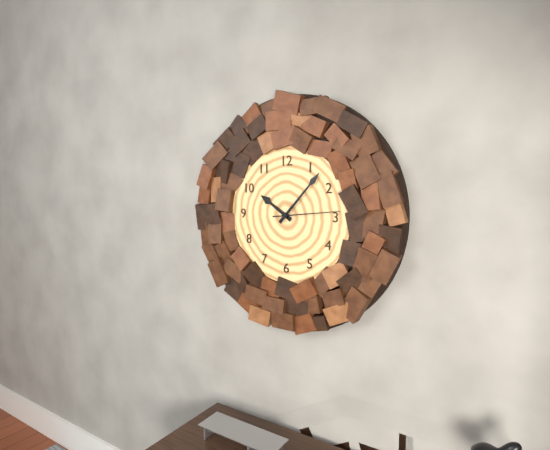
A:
10.07.14
